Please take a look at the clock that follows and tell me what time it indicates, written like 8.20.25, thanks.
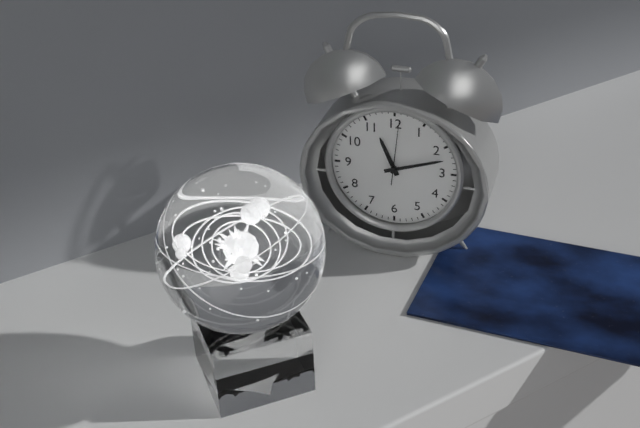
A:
11.12.01
